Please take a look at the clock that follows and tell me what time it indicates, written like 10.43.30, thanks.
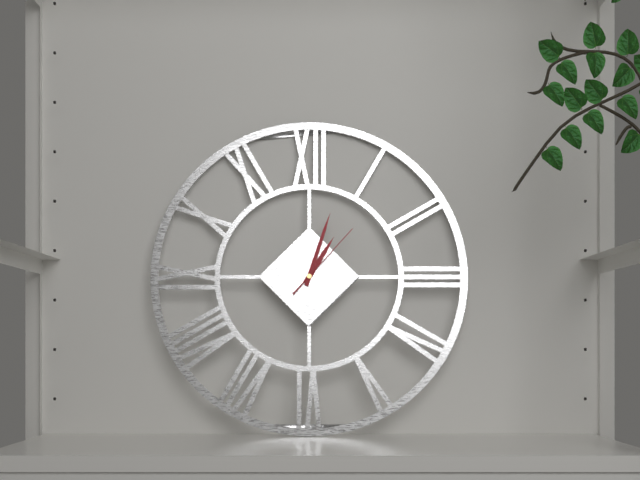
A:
1.03.07
